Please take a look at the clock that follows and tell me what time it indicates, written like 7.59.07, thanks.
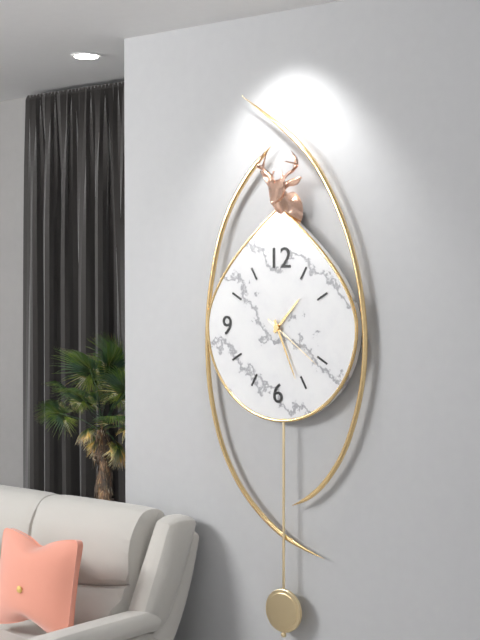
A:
1.26.21
